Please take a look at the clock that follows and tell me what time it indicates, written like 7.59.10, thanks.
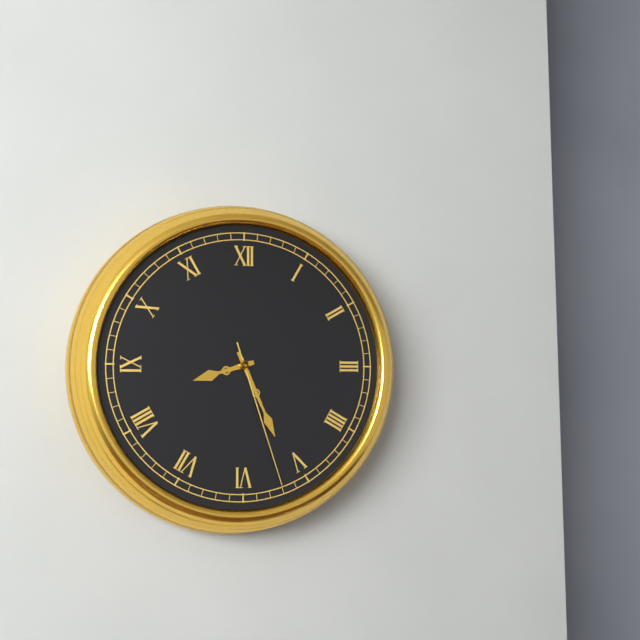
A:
8.26.27
